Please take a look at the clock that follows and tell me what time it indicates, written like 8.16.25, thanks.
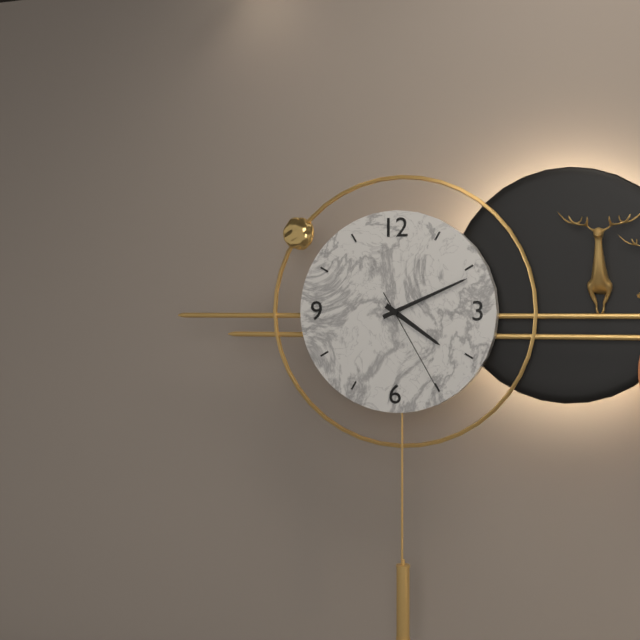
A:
4.11.25
